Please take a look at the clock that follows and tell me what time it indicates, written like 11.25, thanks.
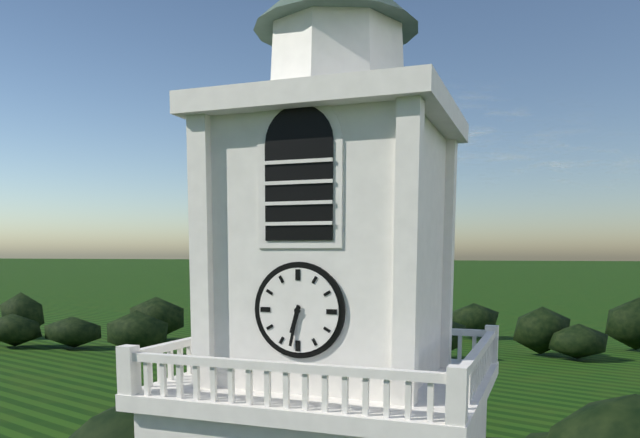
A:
6.32
